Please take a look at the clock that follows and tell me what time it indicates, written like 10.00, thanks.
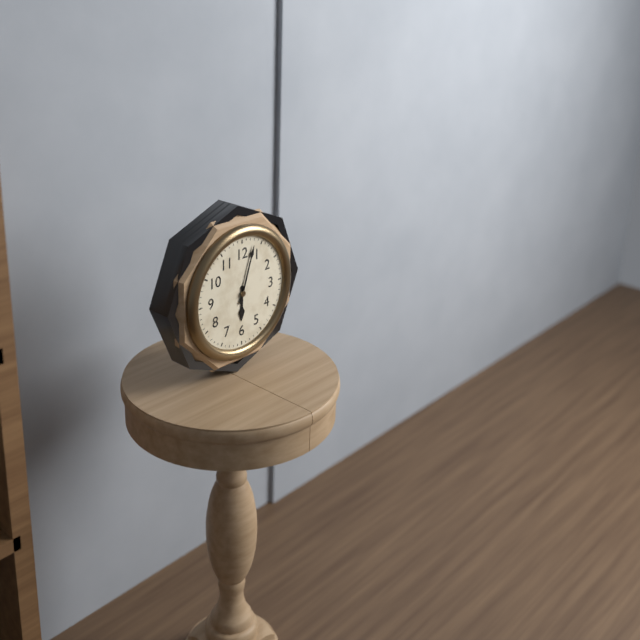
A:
6.03
